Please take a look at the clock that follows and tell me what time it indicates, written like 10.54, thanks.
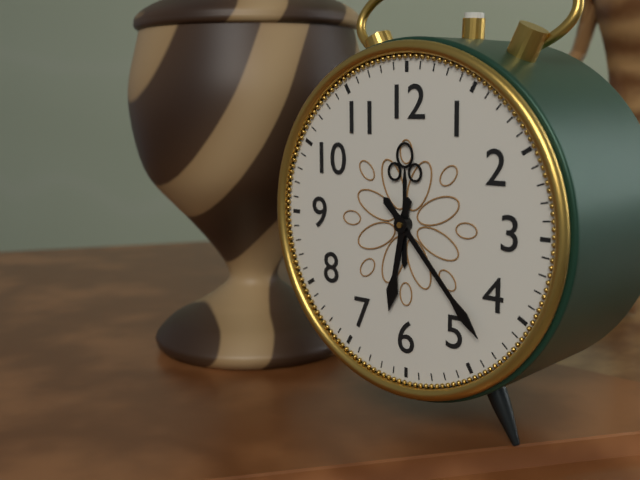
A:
6.23
